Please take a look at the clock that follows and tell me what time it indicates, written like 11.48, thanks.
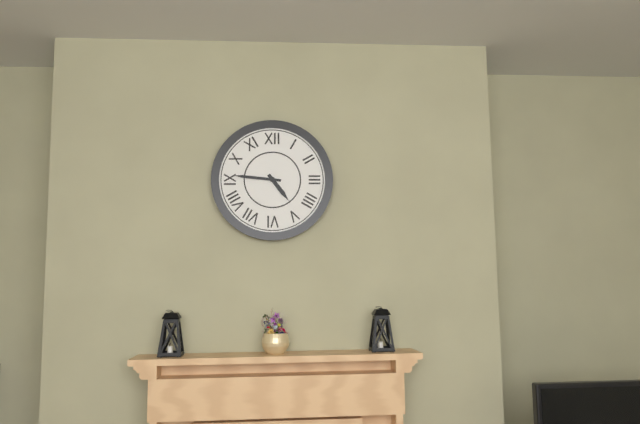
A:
4.46
